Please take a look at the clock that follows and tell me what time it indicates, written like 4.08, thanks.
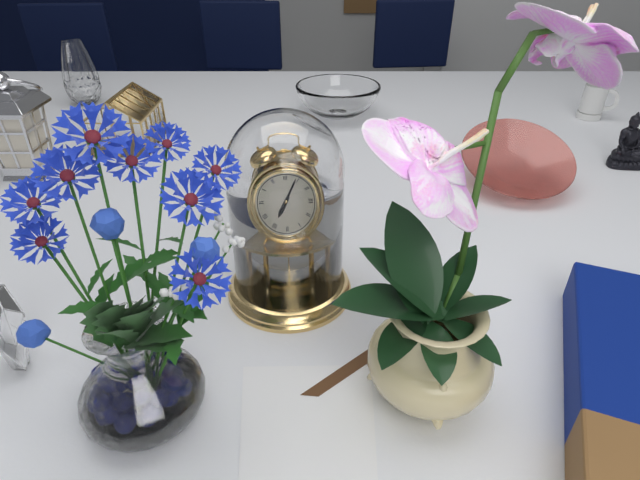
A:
7.04
